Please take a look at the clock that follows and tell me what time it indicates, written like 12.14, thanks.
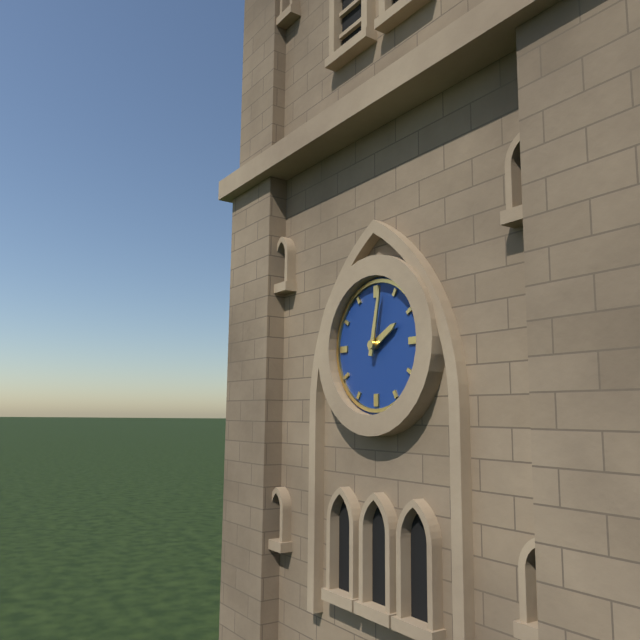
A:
2.02
